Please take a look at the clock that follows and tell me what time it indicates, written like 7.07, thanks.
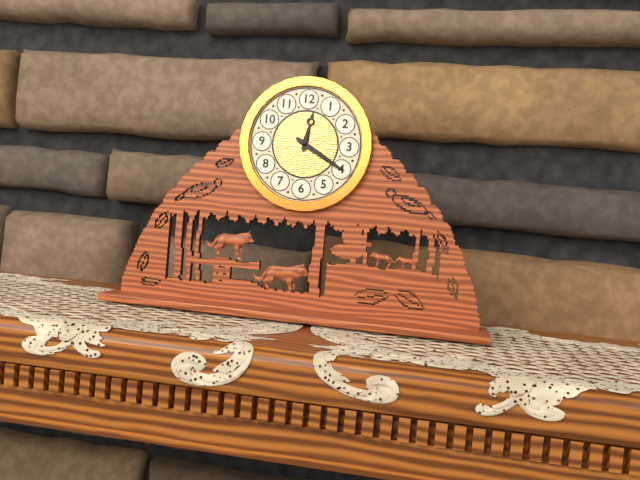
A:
12.20
